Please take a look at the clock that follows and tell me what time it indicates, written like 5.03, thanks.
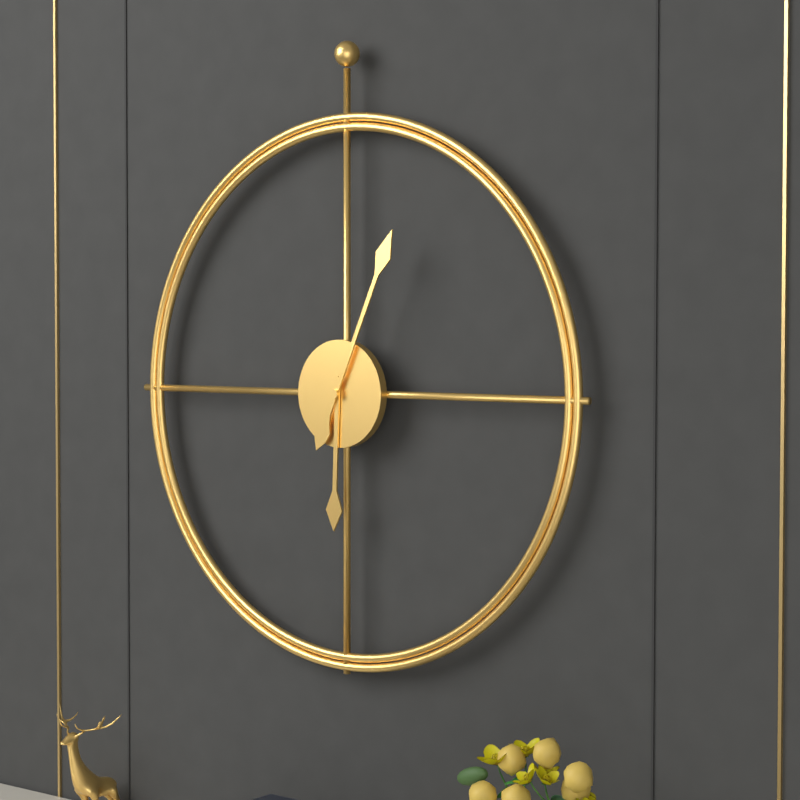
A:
6.04
